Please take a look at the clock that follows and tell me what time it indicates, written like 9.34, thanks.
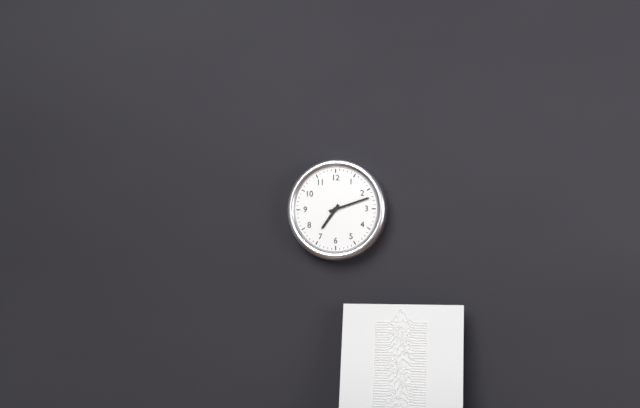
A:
7.12
